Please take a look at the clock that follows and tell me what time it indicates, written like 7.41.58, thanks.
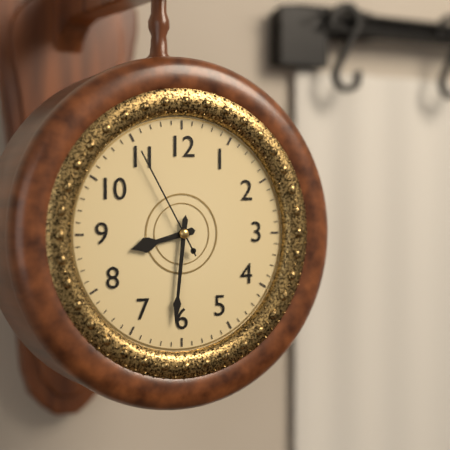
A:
8.31.55
